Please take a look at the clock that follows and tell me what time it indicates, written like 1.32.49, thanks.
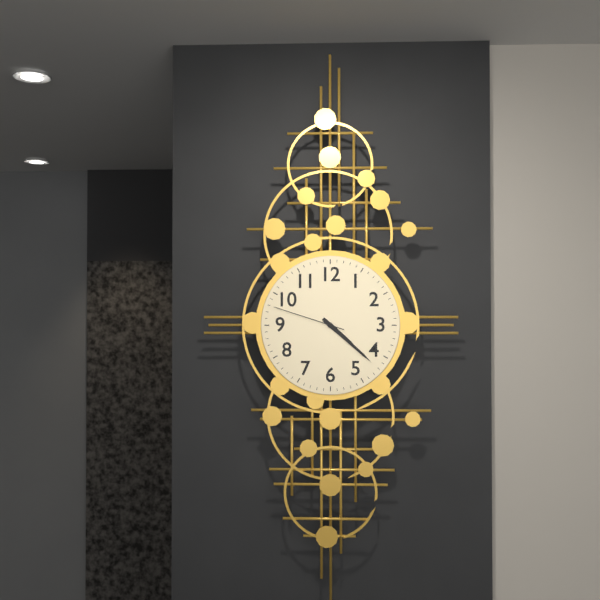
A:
4.22.48
